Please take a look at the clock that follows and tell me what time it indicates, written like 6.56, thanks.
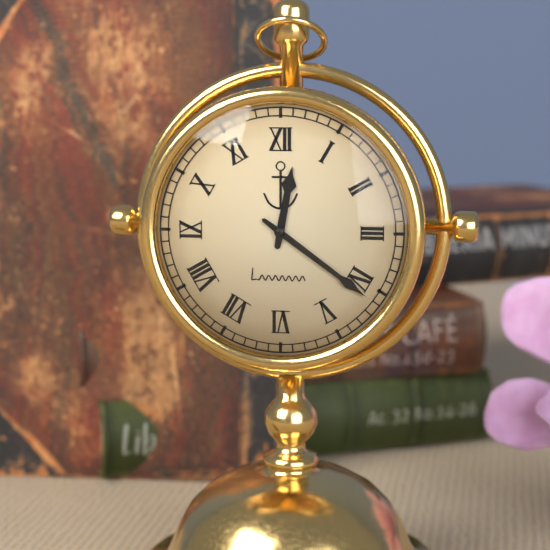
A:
12.21
